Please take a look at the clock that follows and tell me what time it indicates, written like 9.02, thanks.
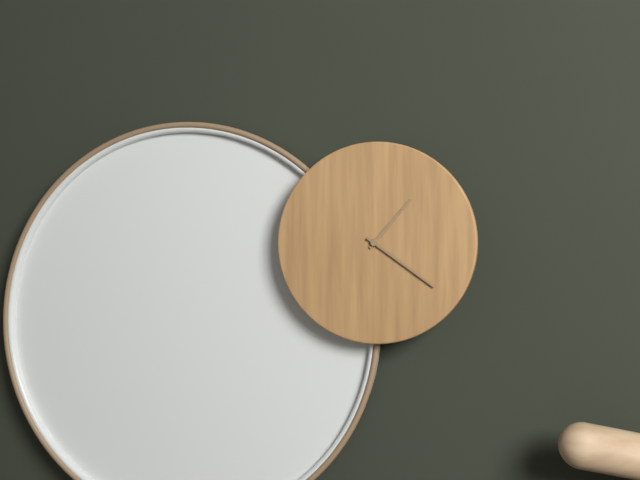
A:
1.21
